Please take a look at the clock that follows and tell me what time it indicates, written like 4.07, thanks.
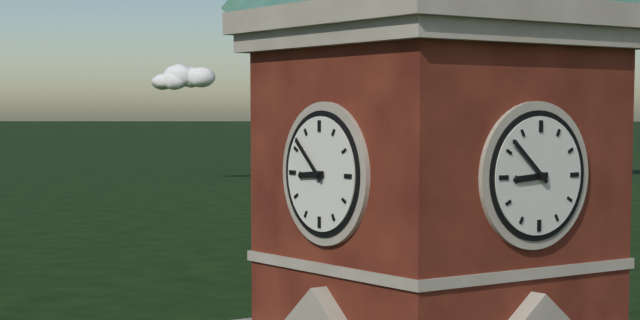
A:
8.52
